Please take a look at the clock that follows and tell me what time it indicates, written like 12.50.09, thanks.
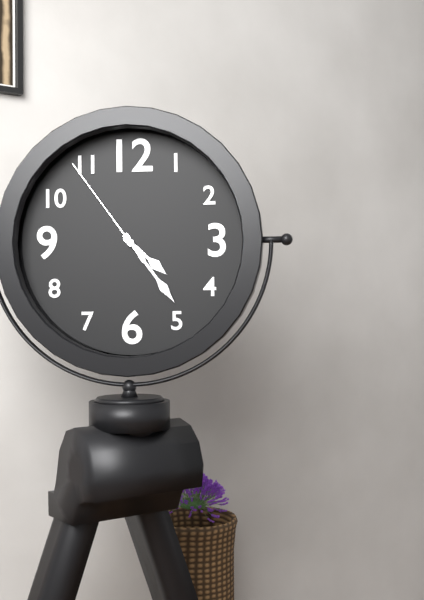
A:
4.24.54
